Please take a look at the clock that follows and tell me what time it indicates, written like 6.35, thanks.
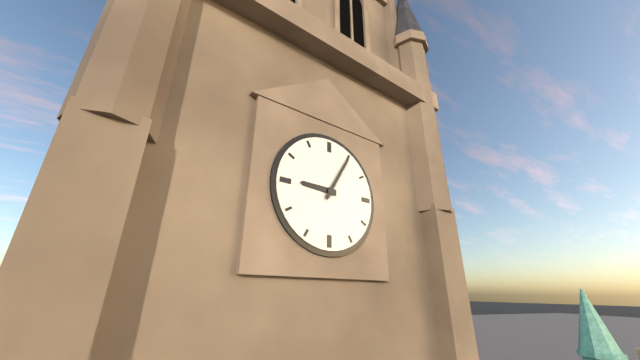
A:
9.05
